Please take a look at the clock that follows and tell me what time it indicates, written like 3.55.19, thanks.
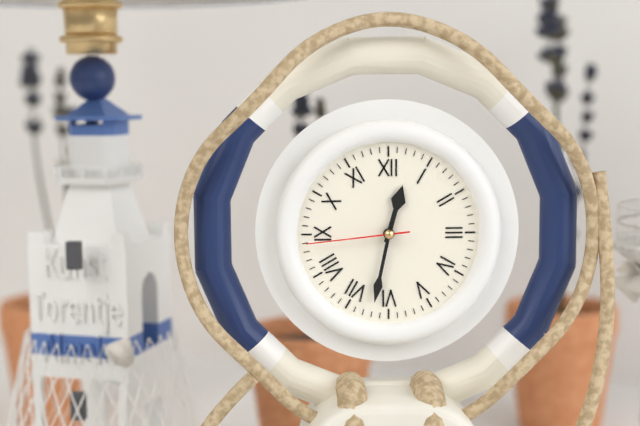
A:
12.32.44
